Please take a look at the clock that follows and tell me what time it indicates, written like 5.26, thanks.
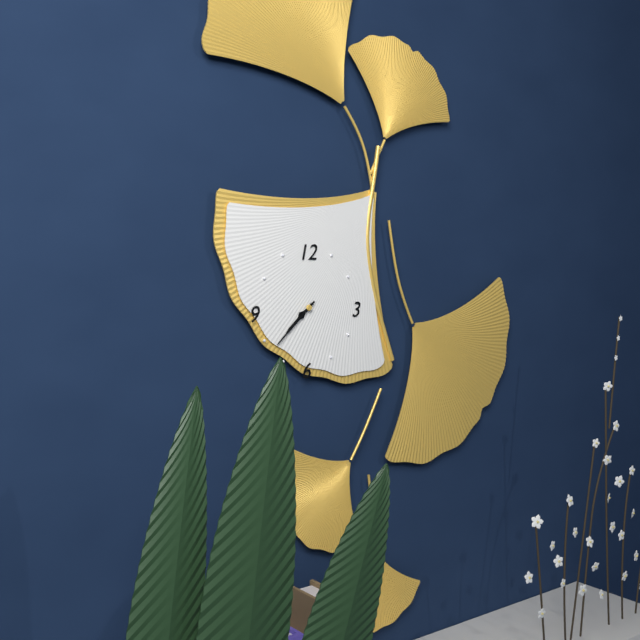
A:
7.38
